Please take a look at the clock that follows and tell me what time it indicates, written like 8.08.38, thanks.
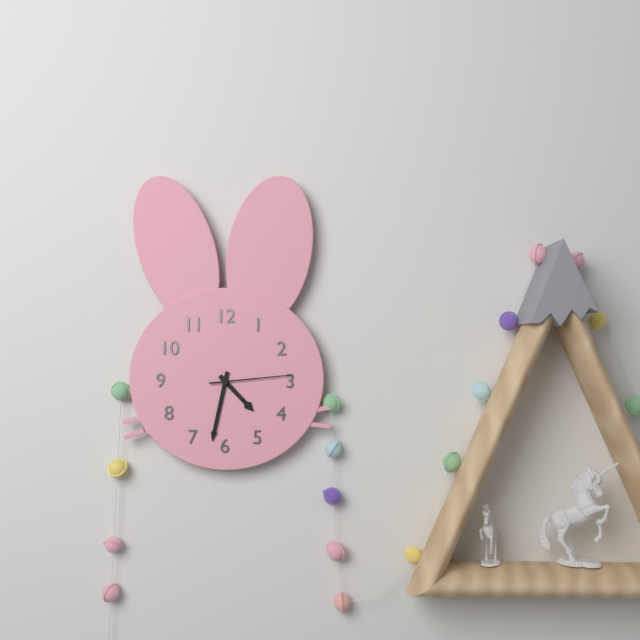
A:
4.32.14
